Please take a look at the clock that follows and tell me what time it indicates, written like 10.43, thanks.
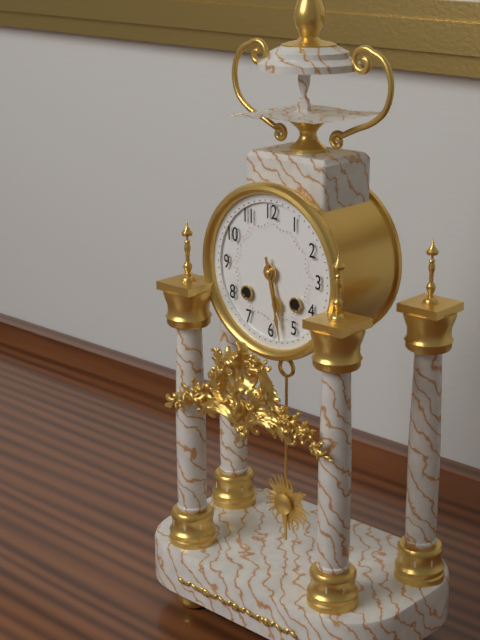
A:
5.28
